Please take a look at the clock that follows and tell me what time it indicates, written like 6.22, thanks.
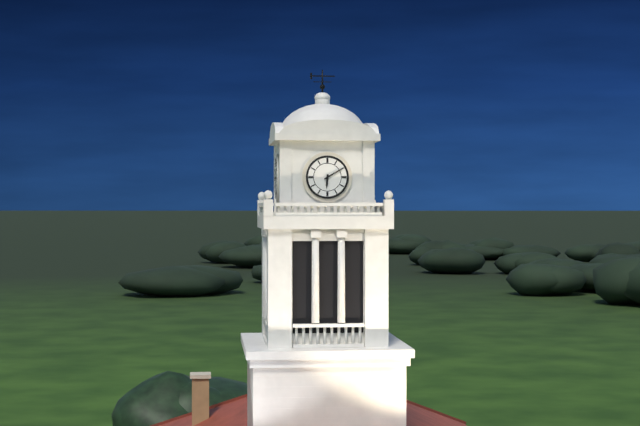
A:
6.10
